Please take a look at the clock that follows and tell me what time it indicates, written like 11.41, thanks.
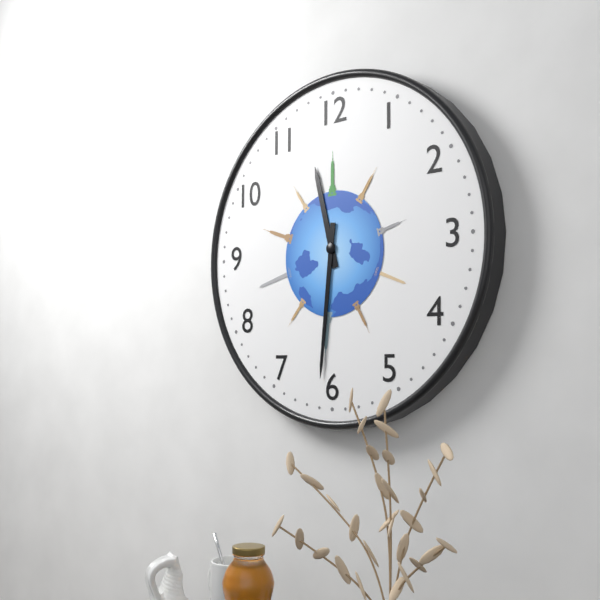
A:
11.31
